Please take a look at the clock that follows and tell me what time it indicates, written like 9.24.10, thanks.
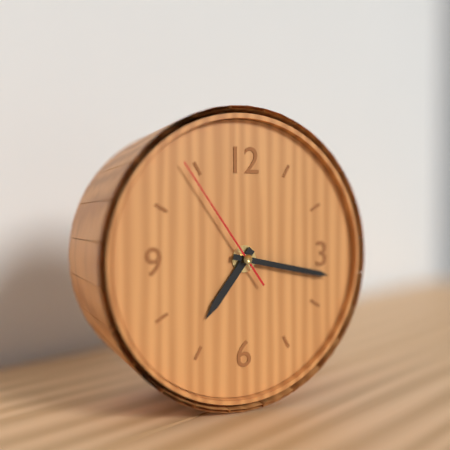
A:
7.17.54
